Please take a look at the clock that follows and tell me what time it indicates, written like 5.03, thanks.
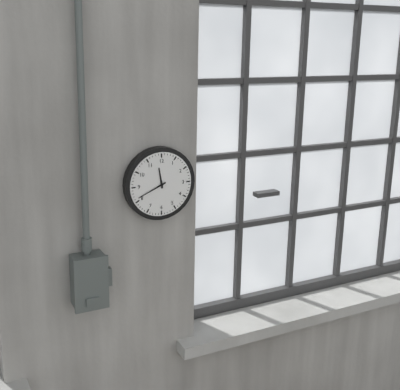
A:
11.41
